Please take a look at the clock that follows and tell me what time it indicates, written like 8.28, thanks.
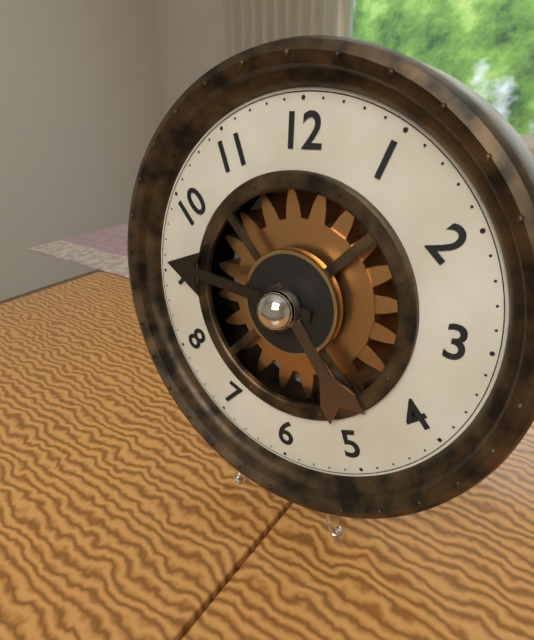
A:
4.46
